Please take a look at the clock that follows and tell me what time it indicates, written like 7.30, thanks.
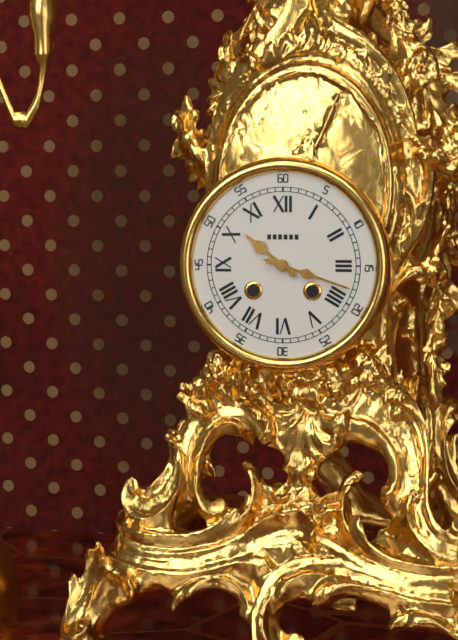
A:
10.18
